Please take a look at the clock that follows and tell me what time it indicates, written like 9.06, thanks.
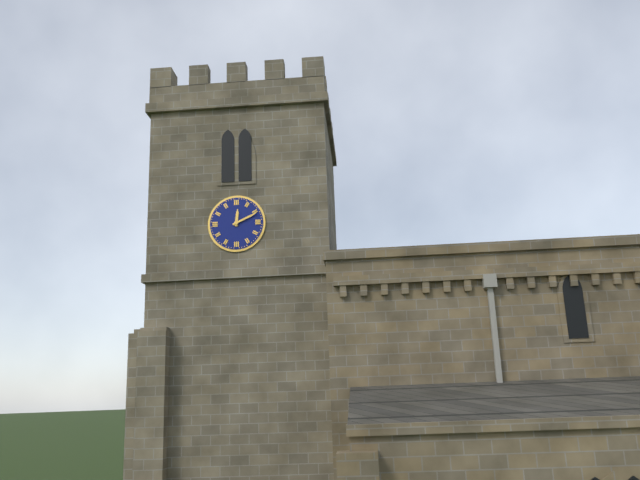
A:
12.11
